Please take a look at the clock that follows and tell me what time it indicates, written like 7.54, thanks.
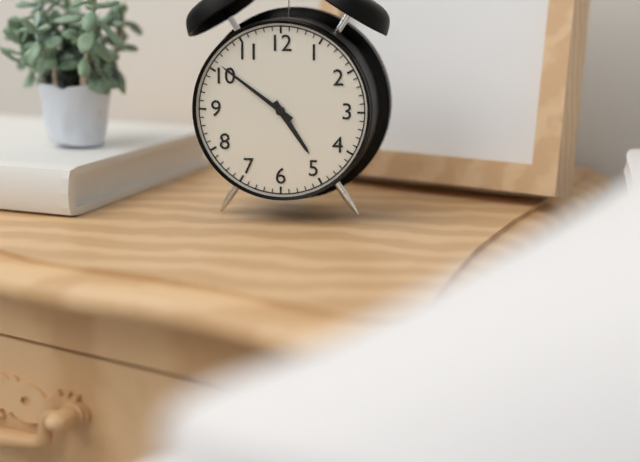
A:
4.51
